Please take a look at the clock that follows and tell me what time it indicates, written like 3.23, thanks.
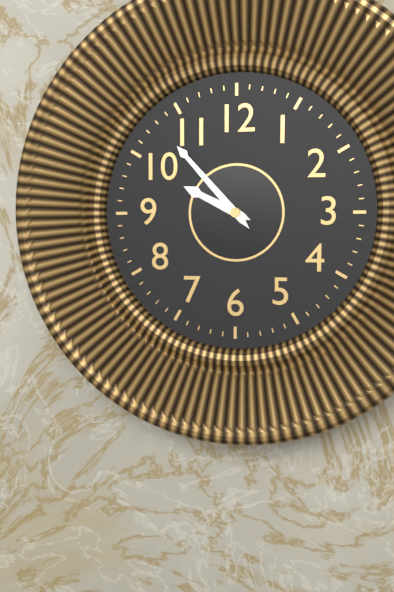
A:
9.53
